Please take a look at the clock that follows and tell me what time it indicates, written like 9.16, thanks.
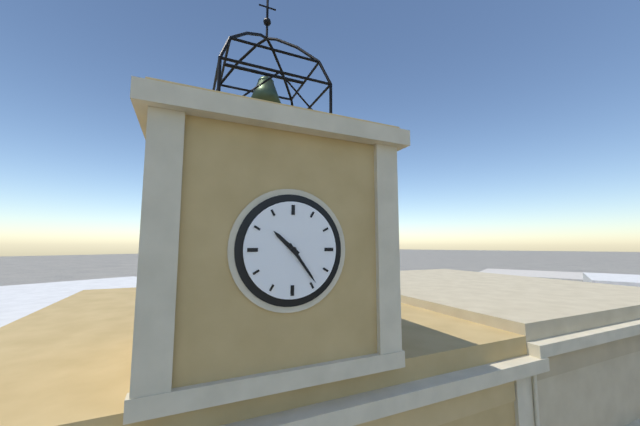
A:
10.24
